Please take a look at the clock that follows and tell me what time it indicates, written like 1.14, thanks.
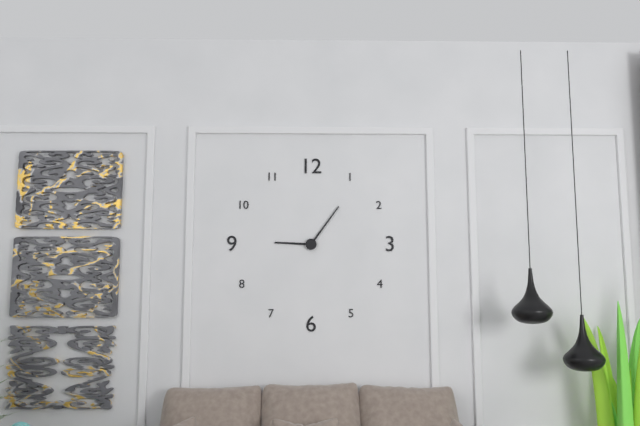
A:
9.06
